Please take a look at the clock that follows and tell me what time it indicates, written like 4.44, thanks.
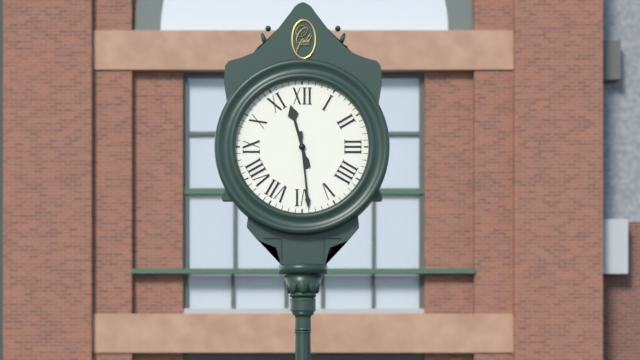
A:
11.29
